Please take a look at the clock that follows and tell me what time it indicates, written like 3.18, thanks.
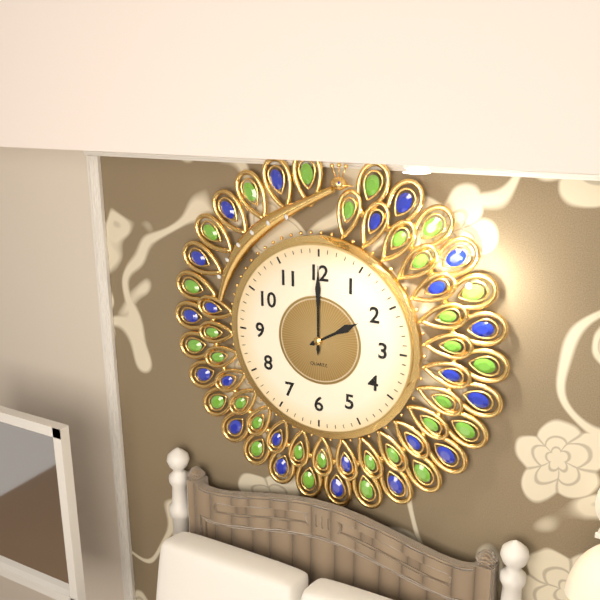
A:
2.00
